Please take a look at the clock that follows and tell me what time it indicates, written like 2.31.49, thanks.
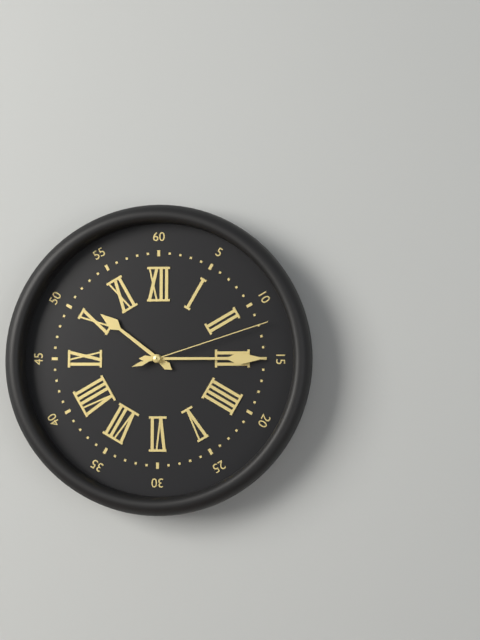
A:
10.15.12
